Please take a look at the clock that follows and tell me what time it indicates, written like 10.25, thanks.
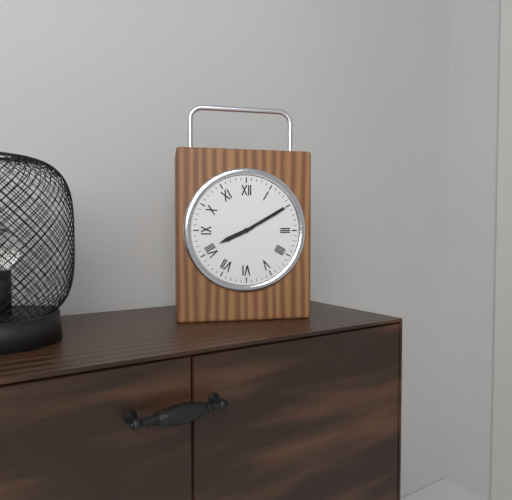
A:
8.10
